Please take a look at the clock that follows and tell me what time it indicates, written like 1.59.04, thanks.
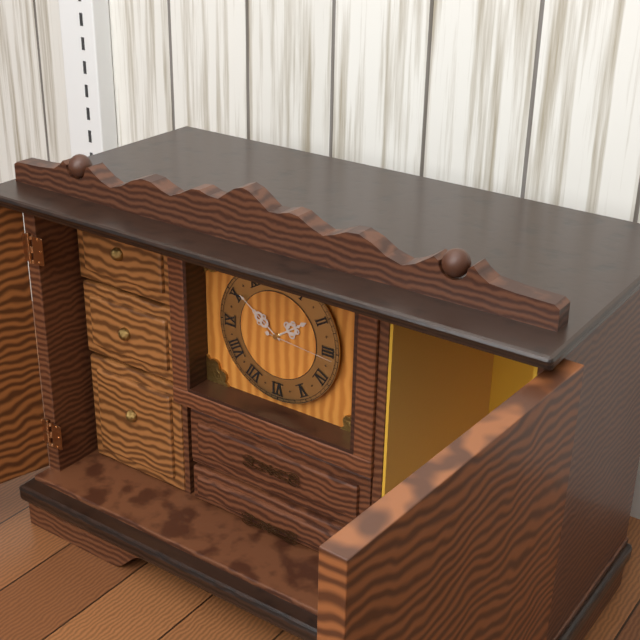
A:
1.51.16
